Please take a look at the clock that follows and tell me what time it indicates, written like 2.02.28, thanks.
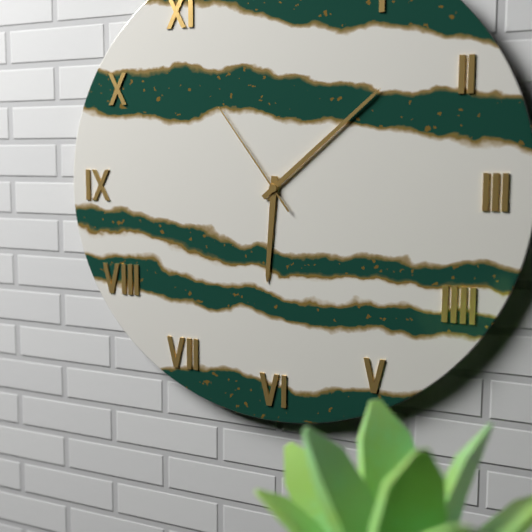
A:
6.08.54
